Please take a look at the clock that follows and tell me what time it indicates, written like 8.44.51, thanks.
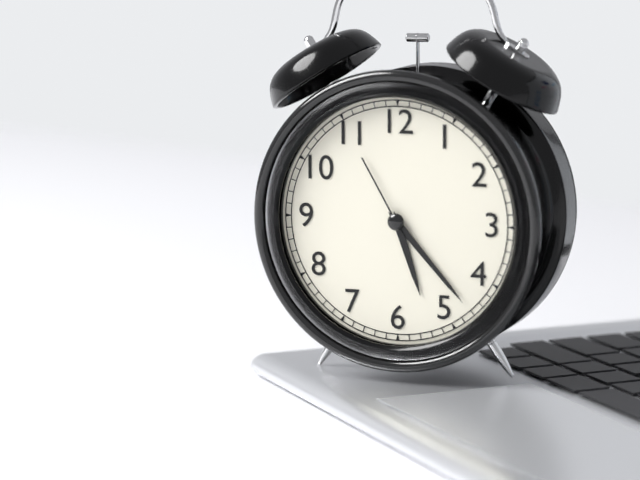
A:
5.23.55
